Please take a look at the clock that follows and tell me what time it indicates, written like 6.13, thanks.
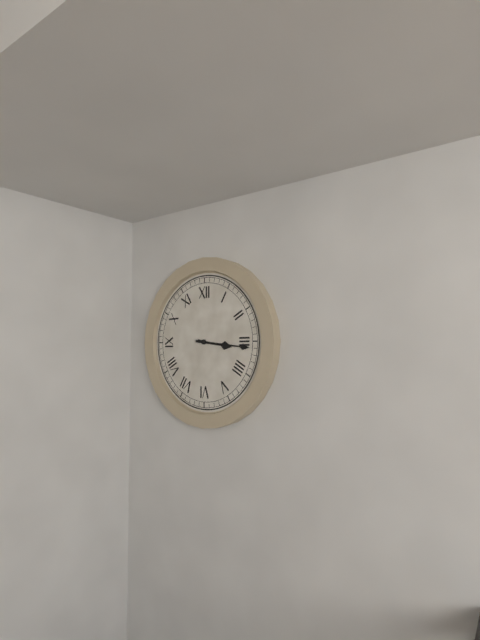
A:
3.16
